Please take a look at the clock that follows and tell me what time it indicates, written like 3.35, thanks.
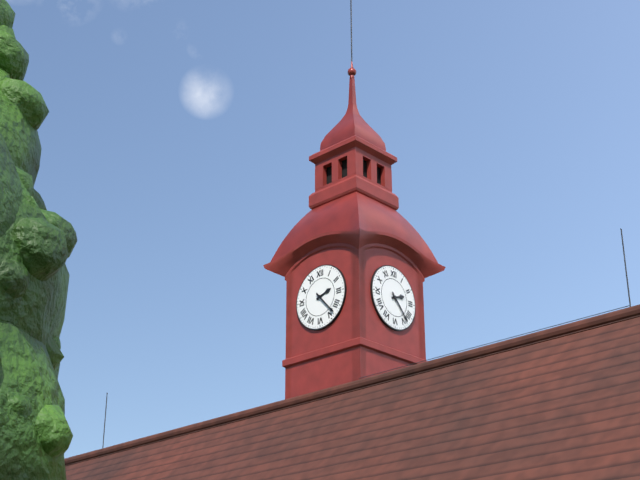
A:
2.23
